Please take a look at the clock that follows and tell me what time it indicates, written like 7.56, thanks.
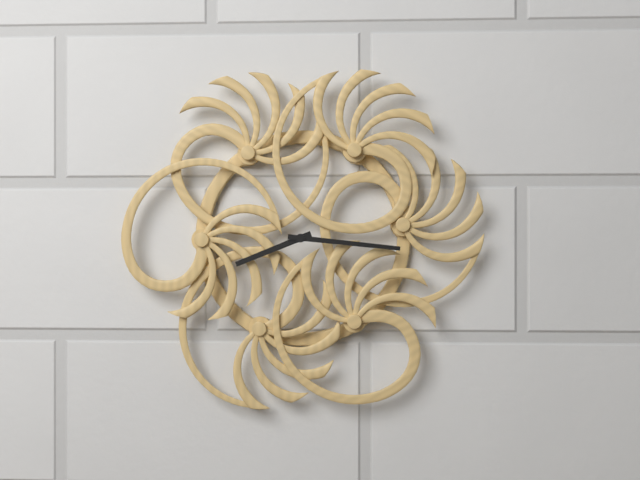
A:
8.16
